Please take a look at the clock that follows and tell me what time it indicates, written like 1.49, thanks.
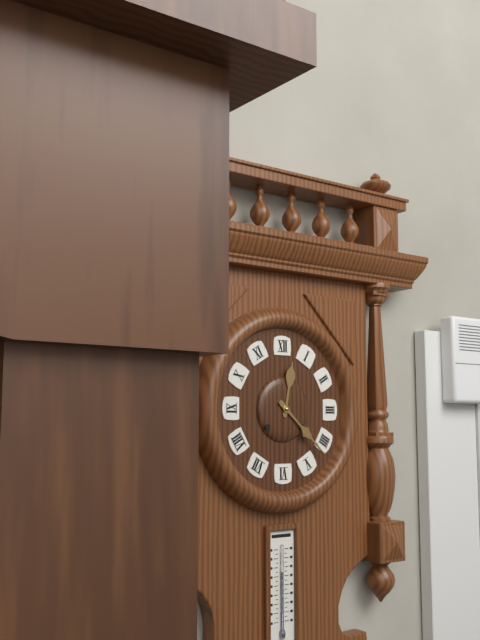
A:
12.22
